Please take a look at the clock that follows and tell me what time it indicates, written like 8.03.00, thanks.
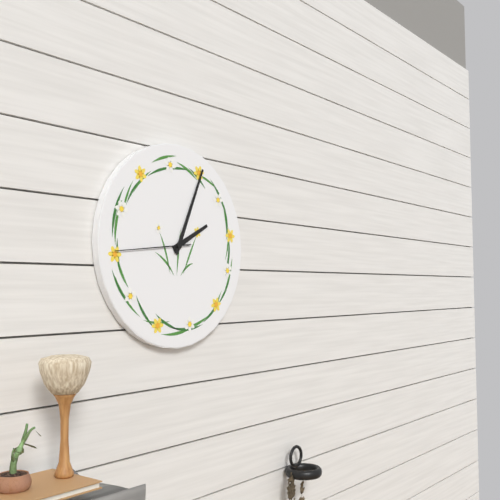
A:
2.04.44
